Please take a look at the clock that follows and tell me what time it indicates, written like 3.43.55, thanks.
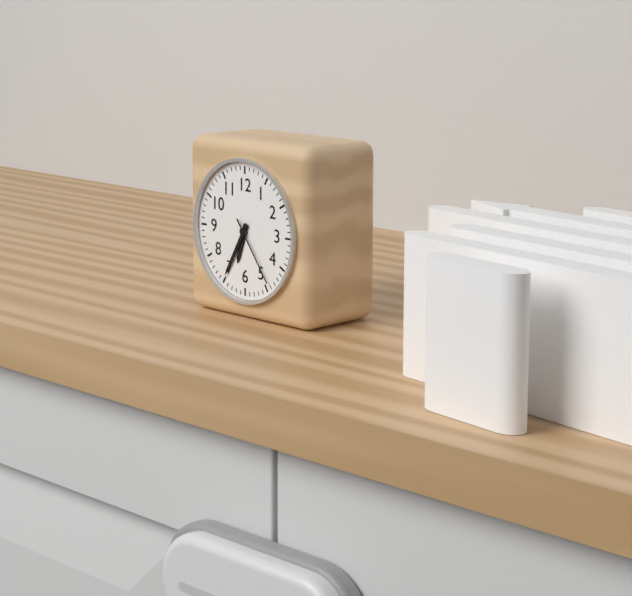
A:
6.35.24
